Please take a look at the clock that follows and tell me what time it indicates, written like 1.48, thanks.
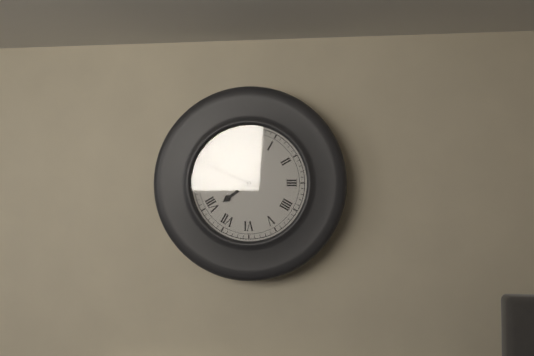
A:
7.49
